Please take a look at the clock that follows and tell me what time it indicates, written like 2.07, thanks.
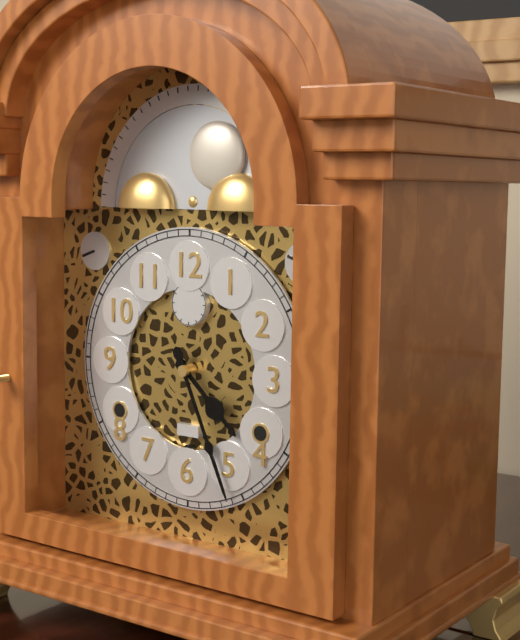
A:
4.26
